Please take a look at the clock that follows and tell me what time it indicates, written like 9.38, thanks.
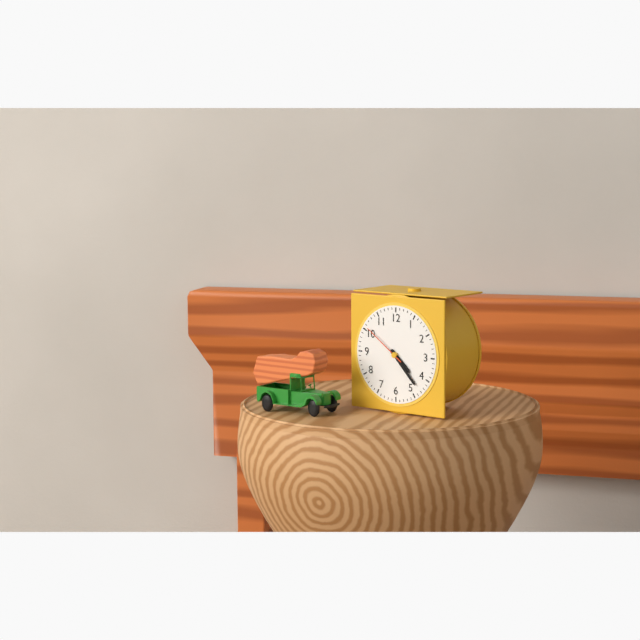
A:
4.23
